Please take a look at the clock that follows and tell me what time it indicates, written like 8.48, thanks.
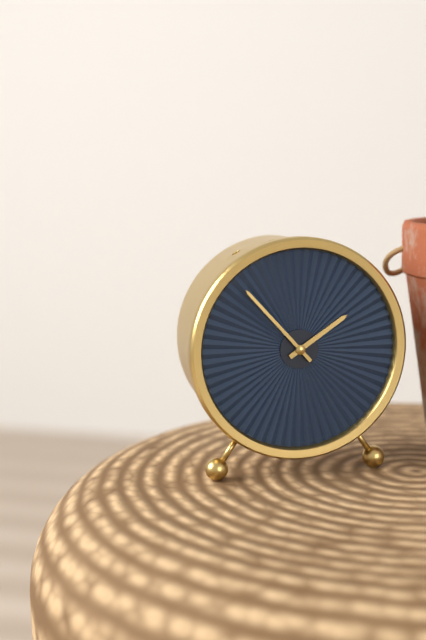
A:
1.53
